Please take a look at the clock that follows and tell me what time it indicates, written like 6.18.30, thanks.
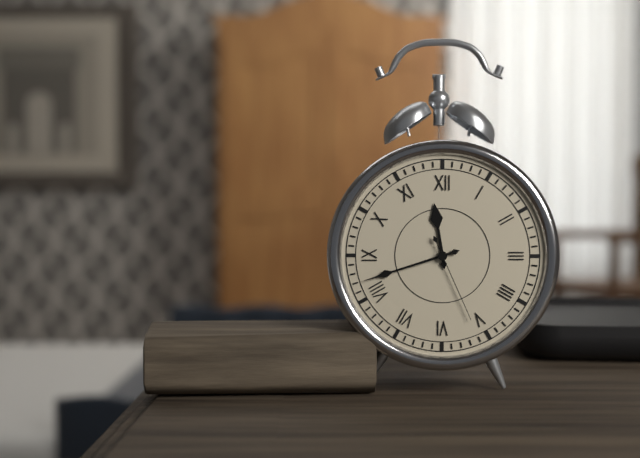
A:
11.42.26
